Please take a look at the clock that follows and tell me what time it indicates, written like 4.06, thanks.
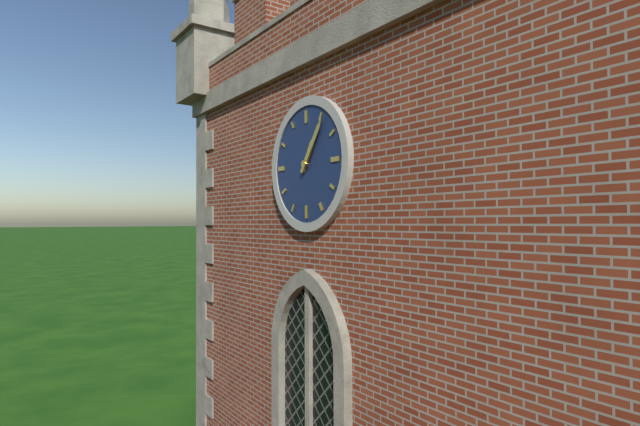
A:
1.06
